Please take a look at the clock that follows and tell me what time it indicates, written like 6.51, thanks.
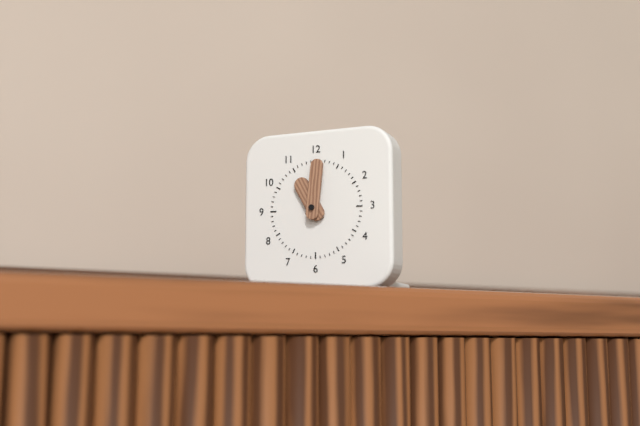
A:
11.01
